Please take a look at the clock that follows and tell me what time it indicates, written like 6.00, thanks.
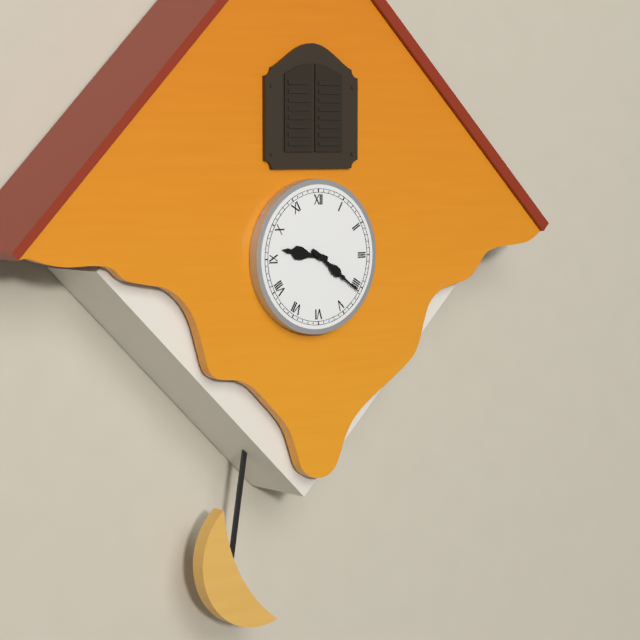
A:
9.21
